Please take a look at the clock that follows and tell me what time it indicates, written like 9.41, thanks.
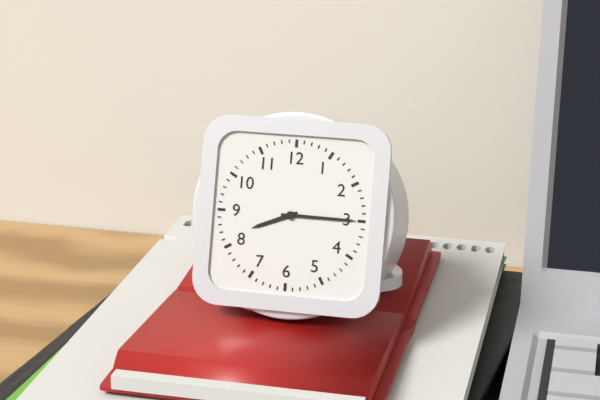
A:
8.15
